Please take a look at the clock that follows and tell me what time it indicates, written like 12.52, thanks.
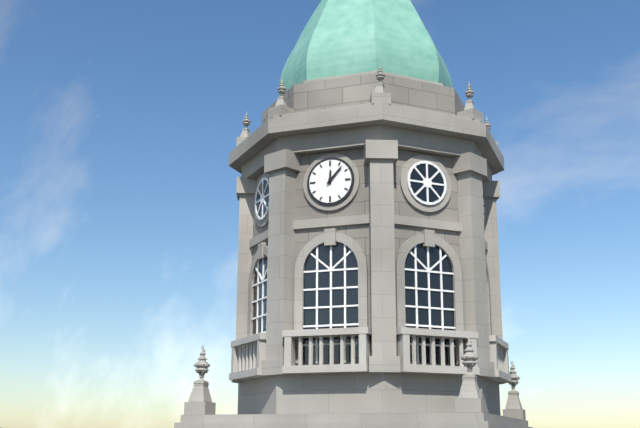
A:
12.07
